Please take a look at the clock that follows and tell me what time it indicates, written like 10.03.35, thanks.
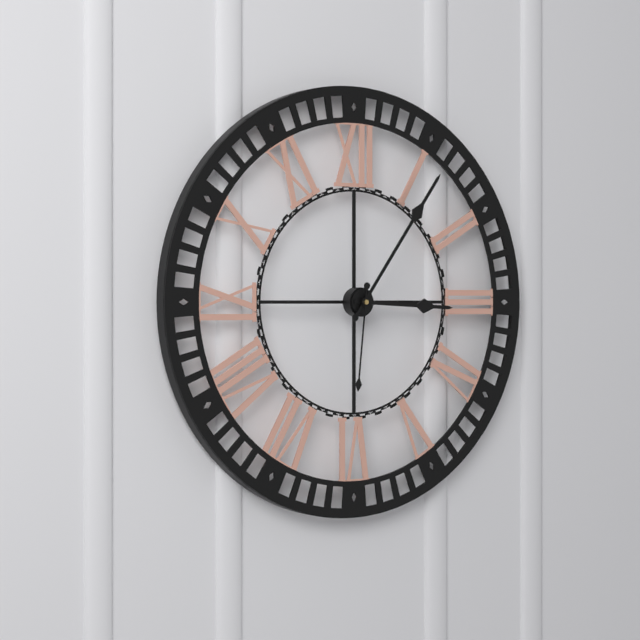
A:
3.06.31
